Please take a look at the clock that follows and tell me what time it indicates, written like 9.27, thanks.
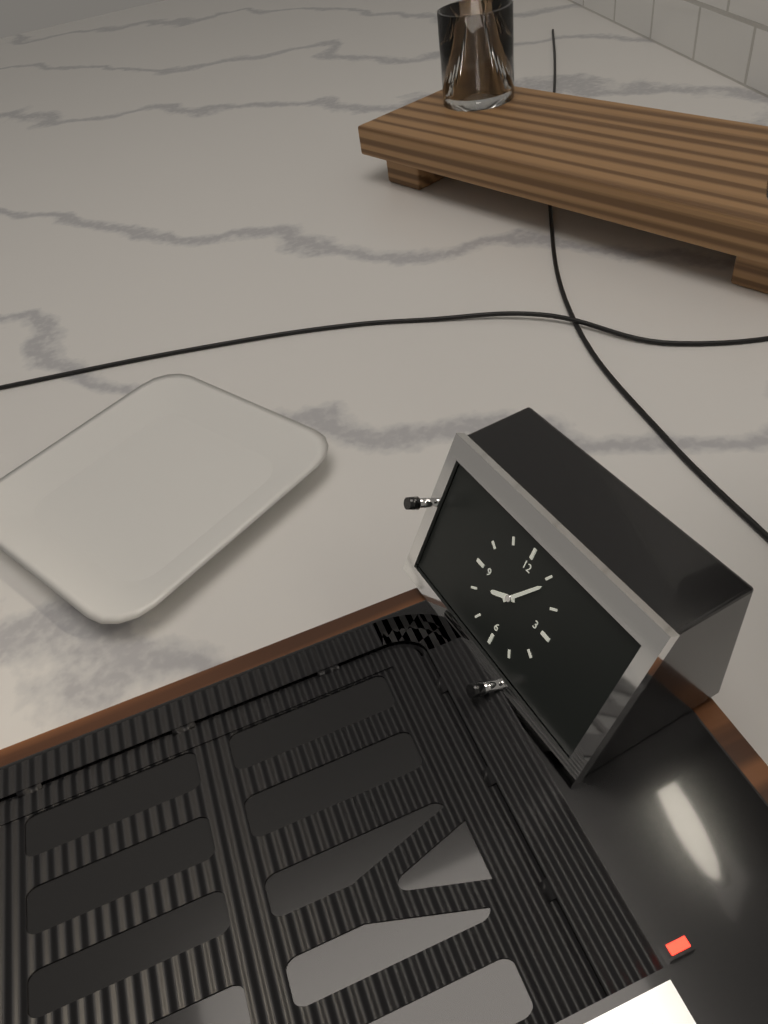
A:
8.06
